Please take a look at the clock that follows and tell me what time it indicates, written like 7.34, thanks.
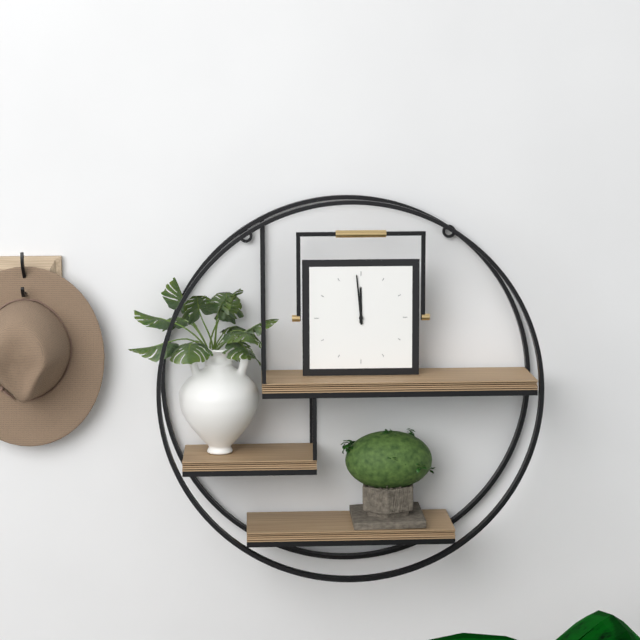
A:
11.59
